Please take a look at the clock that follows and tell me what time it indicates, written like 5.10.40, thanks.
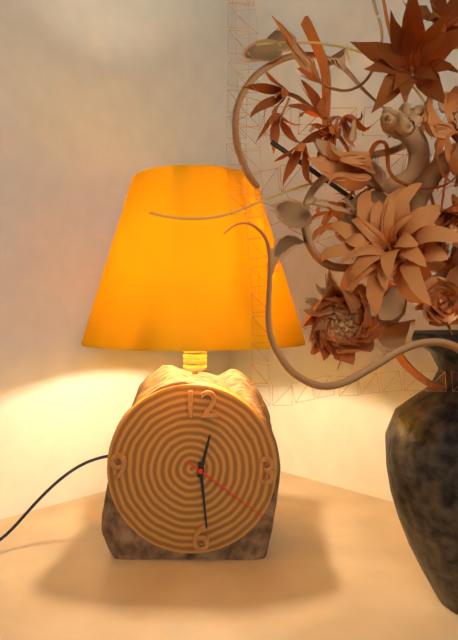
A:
12.29.21
